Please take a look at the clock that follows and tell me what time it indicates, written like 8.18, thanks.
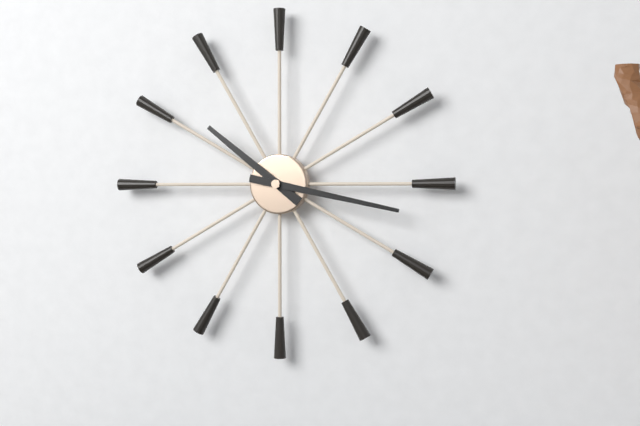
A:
10.17
